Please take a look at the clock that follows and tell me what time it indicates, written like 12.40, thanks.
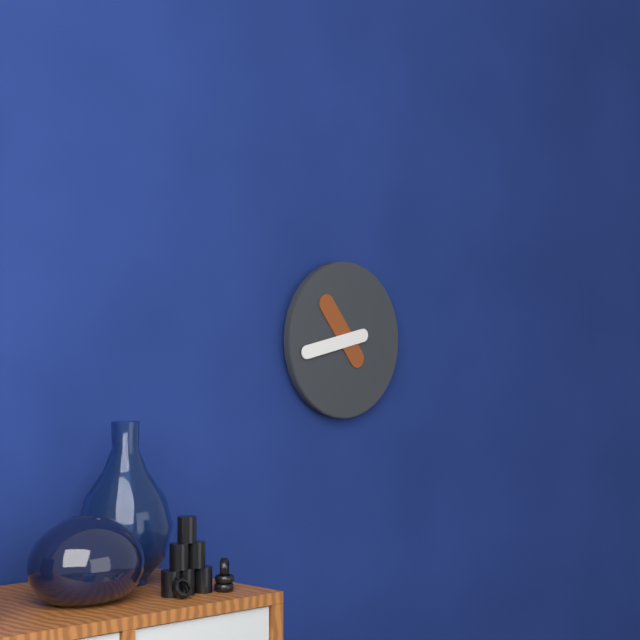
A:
10.43
